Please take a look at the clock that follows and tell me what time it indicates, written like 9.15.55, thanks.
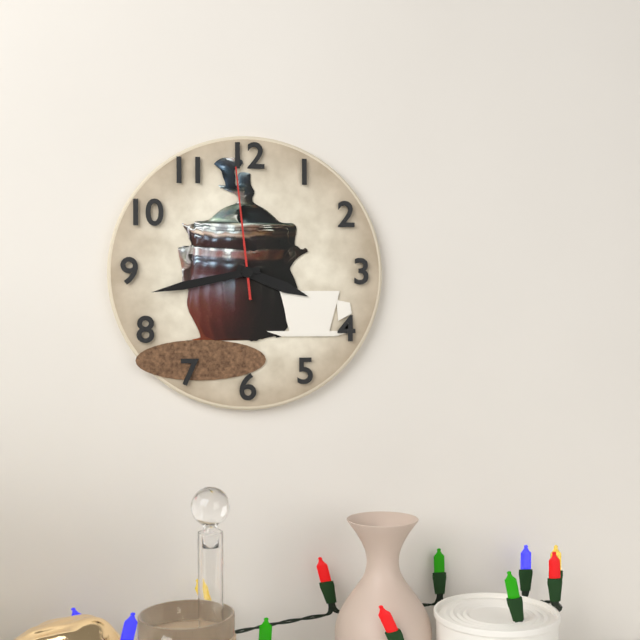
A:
3.43.59
